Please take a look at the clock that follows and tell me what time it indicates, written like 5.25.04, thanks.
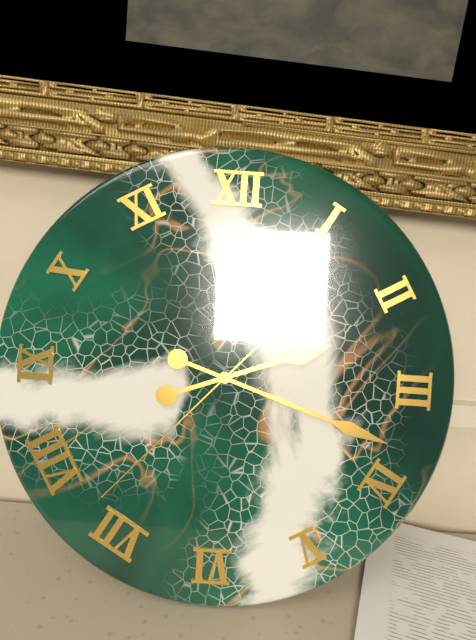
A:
2.18.37
